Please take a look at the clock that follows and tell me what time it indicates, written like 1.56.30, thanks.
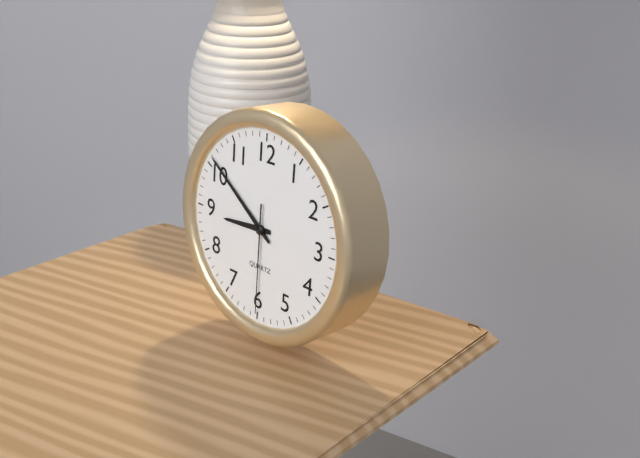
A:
8.51.30
